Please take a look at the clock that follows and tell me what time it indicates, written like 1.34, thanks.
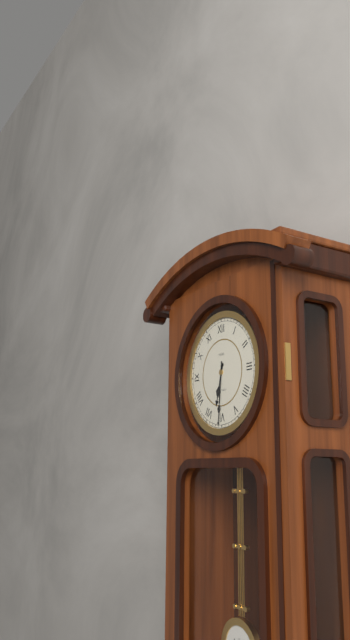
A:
6.31
